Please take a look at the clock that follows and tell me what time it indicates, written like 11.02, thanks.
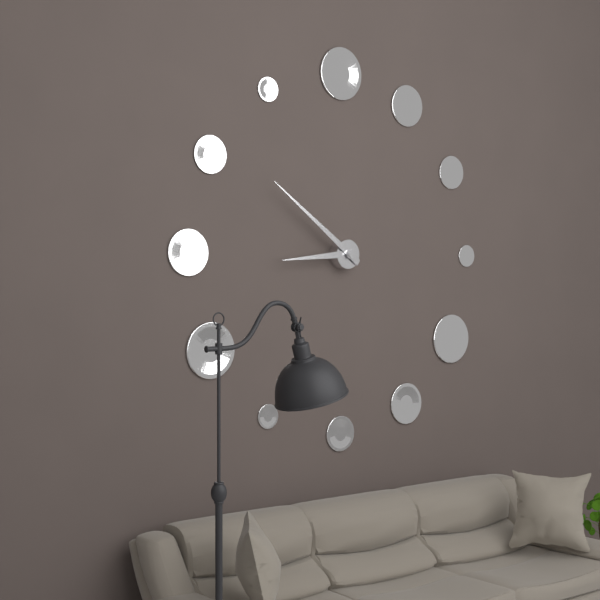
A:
8.51
